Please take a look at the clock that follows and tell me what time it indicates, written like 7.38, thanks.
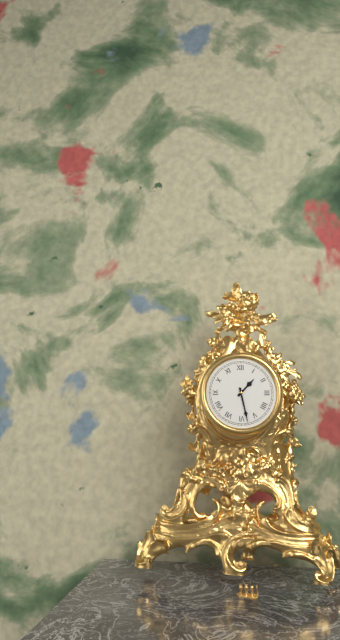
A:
1.28
